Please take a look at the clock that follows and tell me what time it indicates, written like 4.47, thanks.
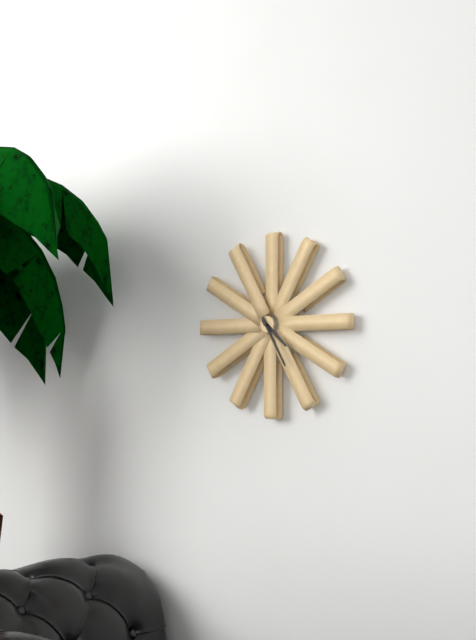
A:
4.25
